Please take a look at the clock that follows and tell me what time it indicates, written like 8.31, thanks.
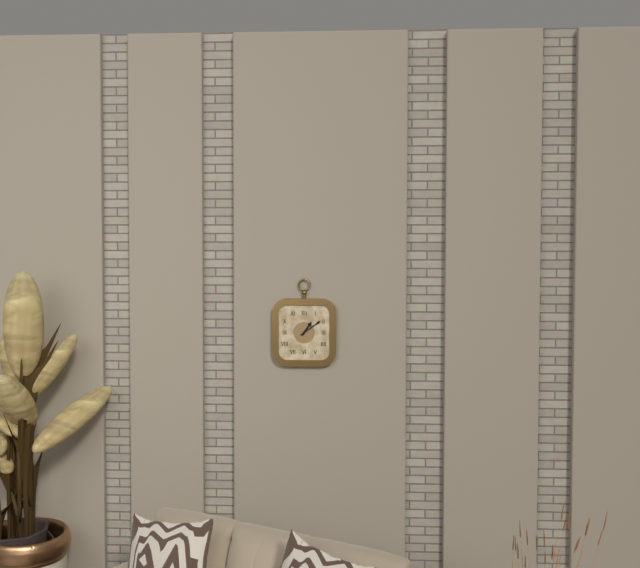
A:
1.09
